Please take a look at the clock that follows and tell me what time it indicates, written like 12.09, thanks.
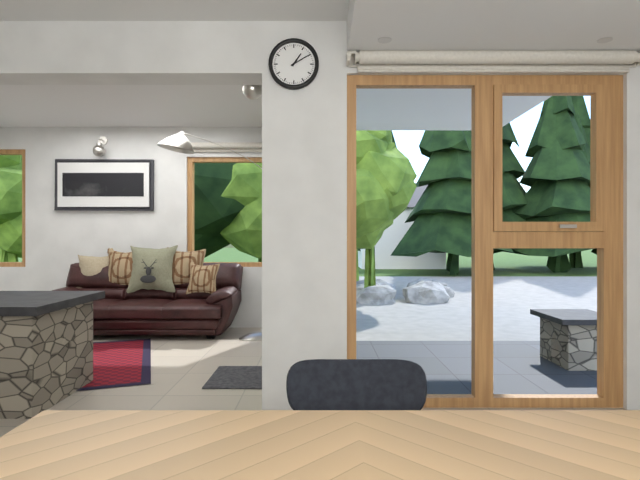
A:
1.10
